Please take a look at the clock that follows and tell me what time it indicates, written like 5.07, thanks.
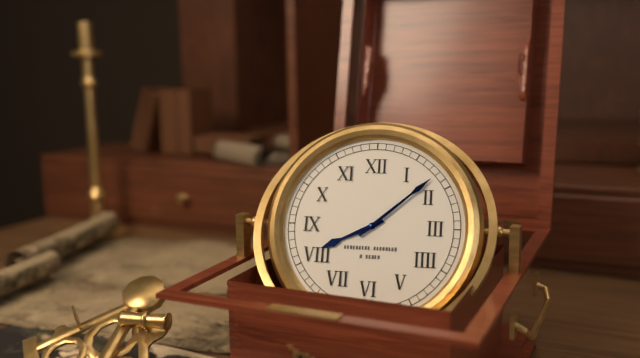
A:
8.08
